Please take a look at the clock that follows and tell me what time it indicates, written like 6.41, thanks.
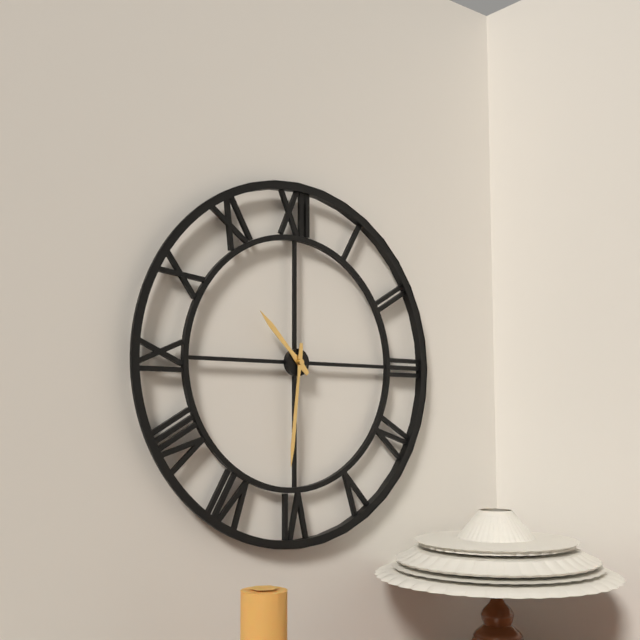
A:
10.31
